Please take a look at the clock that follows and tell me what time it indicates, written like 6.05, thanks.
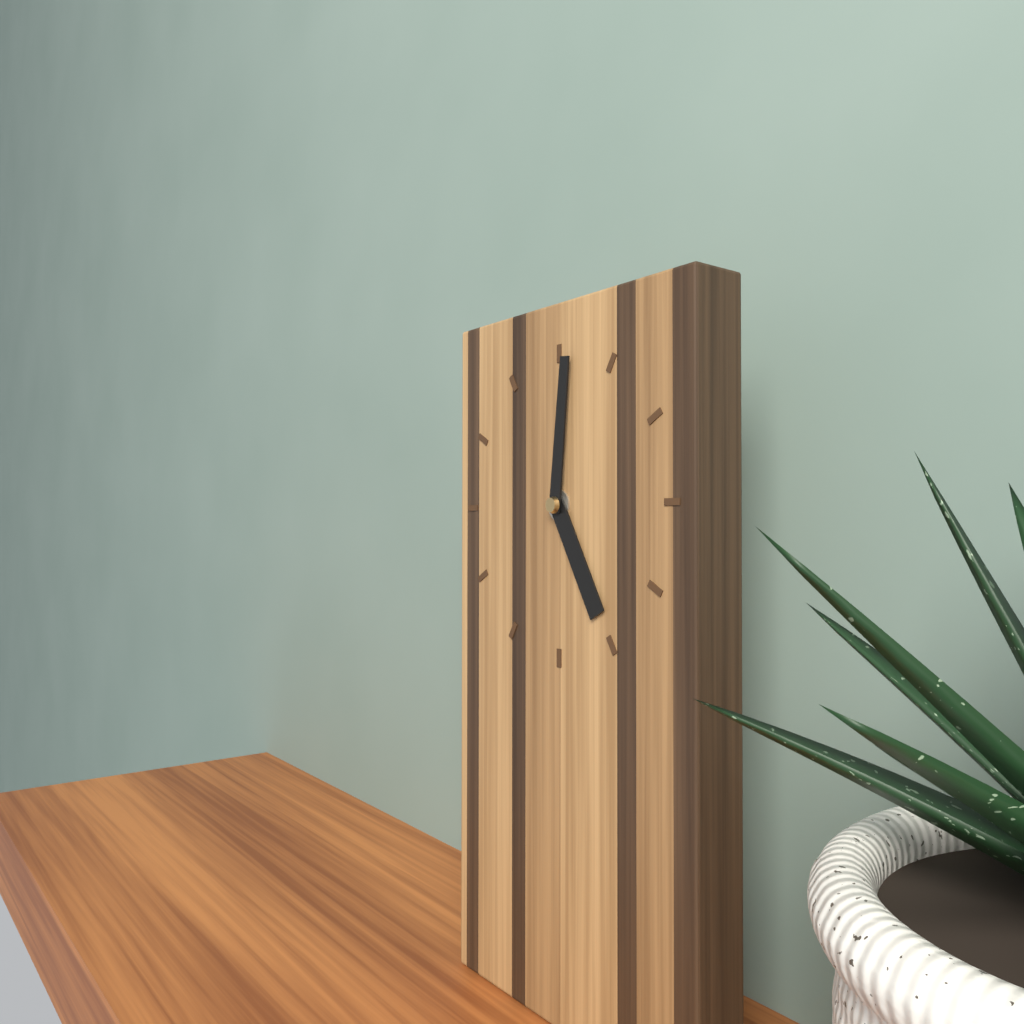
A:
5.01
